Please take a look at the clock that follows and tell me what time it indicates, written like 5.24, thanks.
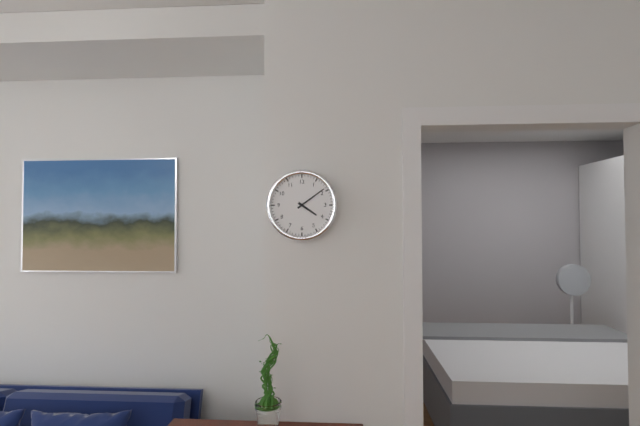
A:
4.09
